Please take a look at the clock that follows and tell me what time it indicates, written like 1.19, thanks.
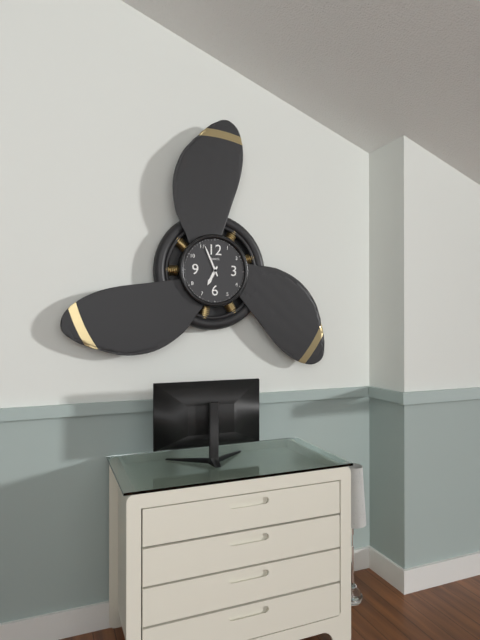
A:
6.56
